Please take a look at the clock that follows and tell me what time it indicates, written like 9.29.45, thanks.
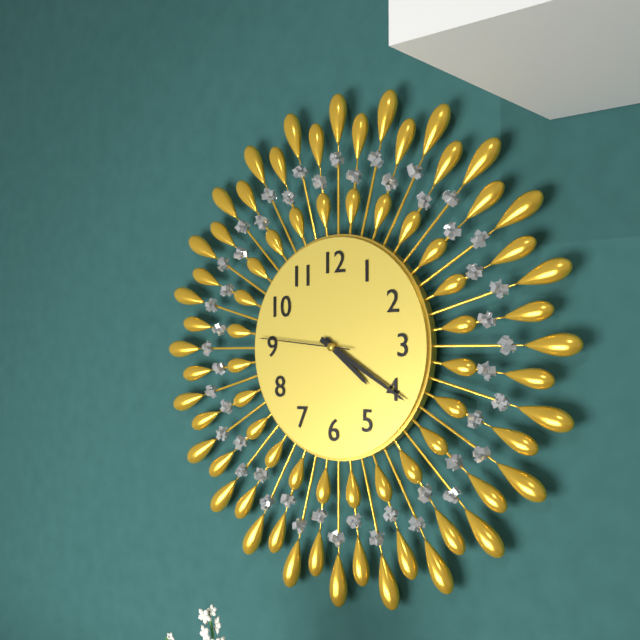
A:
4.20.46
